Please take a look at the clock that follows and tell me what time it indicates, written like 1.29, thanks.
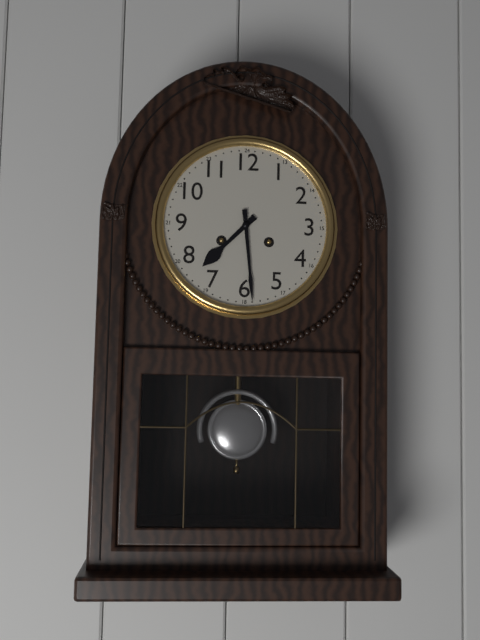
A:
7.29
